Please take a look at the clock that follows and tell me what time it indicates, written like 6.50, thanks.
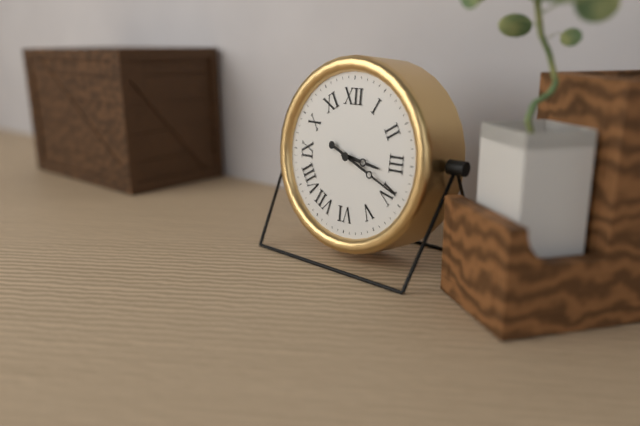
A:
3.19
